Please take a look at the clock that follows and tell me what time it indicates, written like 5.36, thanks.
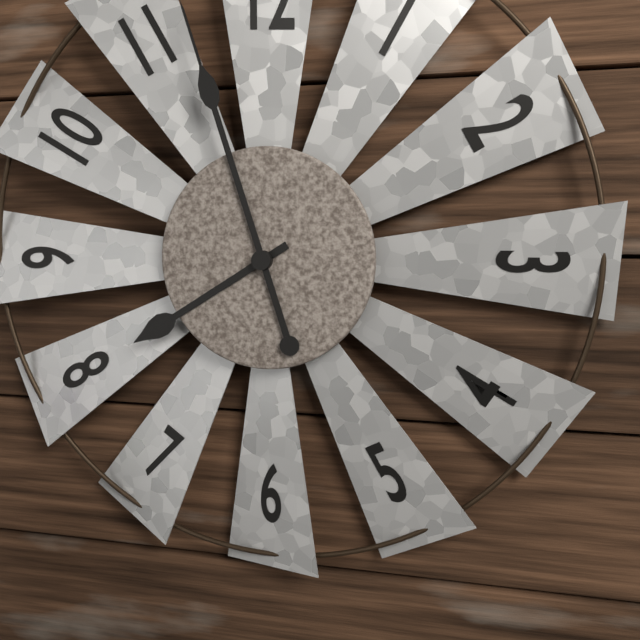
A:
7.57
